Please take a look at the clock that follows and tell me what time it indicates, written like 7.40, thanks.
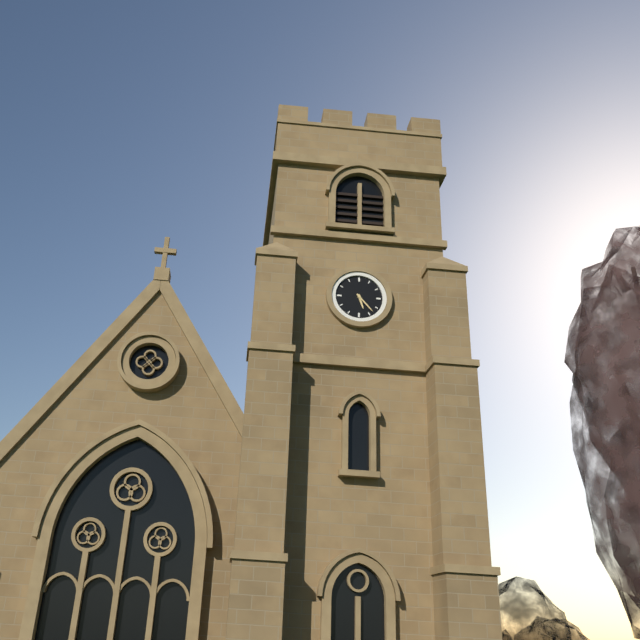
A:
5.23
